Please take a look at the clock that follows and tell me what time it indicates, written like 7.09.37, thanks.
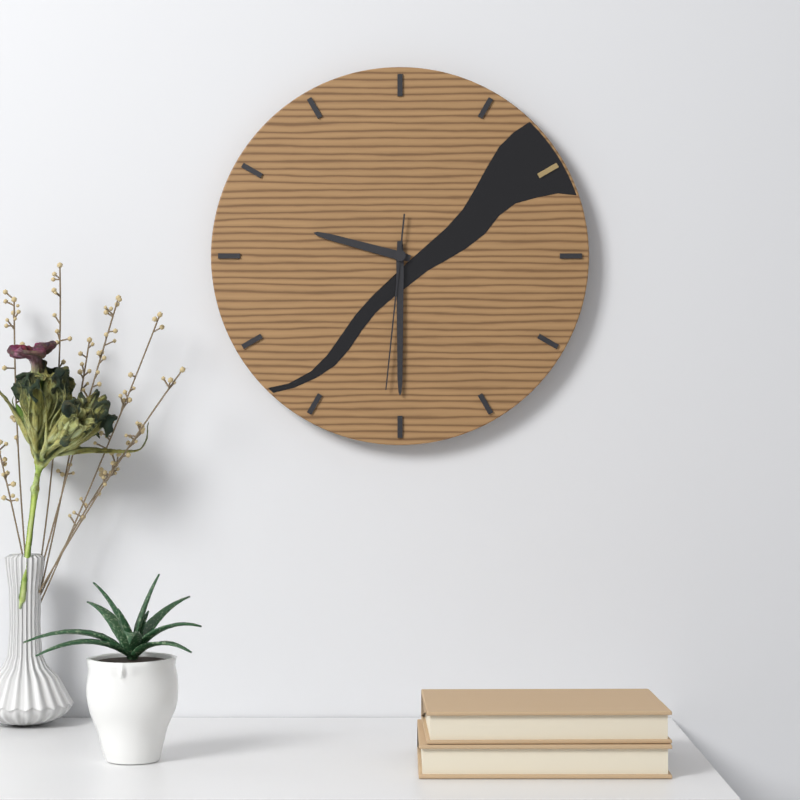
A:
9.30.31
